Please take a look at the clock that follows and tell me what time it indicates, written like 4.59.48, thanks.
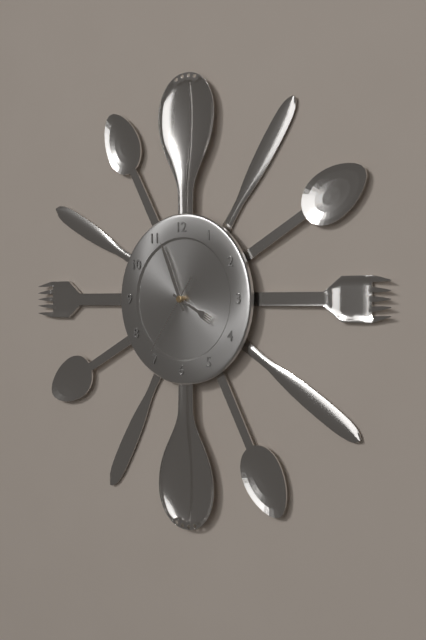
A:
3.56.36
